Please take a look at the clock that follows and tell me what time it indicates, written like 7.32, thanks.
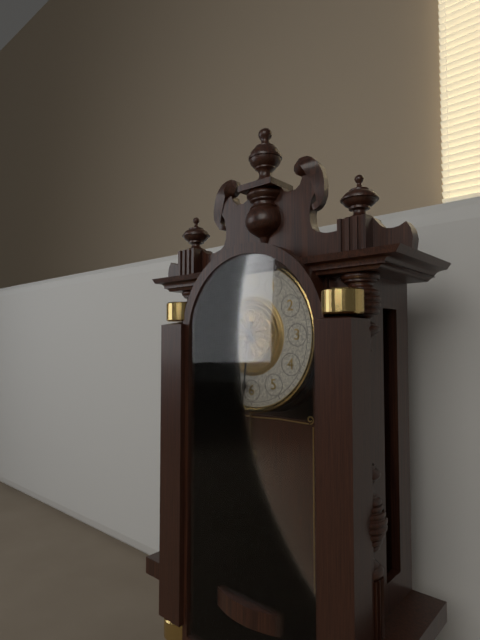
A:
10.31
